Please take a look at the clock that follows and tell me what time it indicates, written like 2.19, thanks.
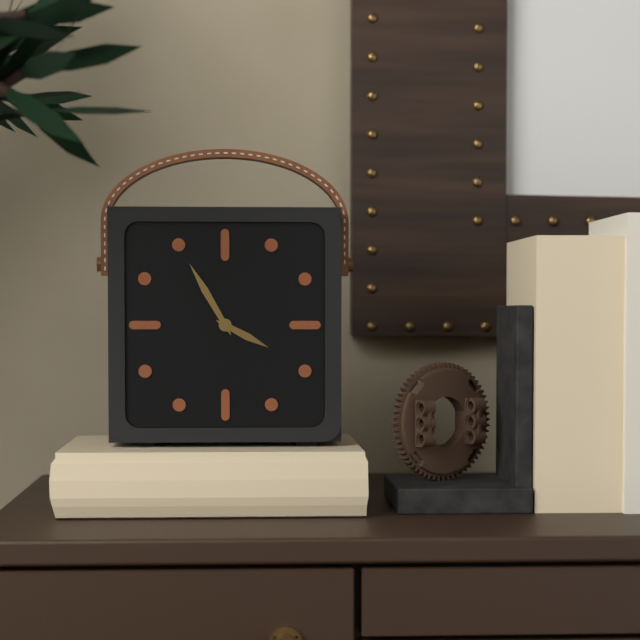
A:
3.55
